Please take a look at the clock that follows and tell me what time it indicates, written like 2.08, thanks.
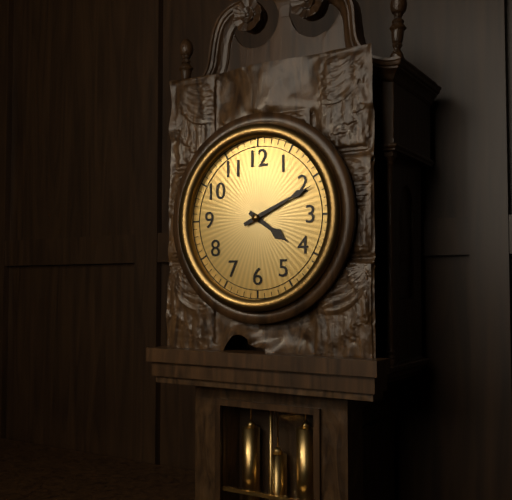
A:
4.11
